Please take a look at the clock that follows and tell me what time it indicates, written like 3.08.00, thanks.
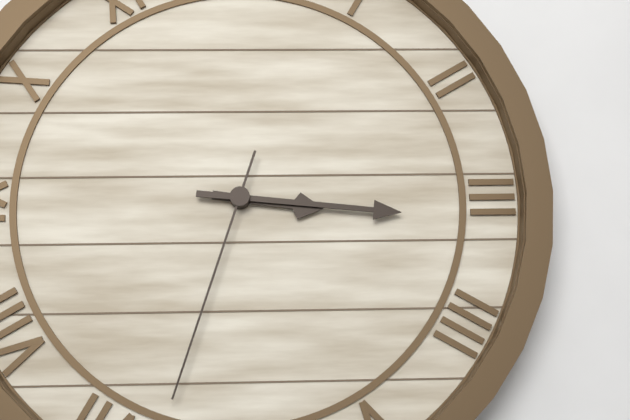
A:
3.16.33
